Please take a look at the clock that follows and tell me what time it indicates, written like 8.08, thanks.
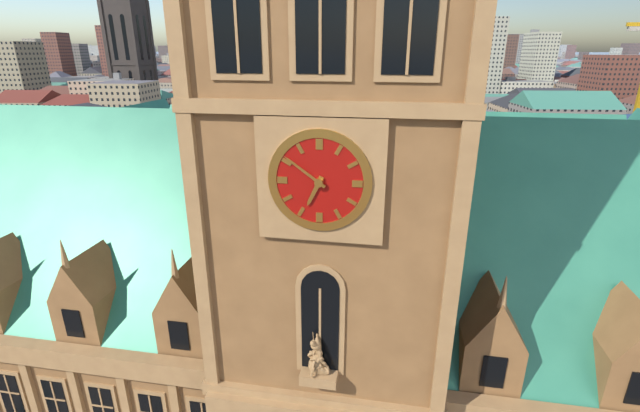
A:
6.51
